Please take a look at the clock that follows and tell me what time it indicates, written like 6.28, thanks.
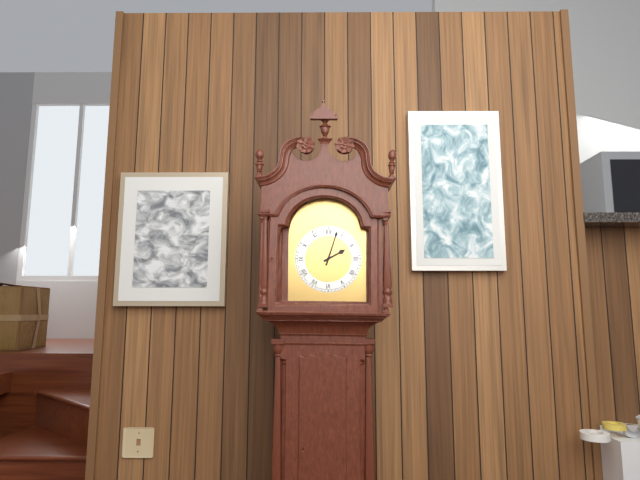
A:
2.03
